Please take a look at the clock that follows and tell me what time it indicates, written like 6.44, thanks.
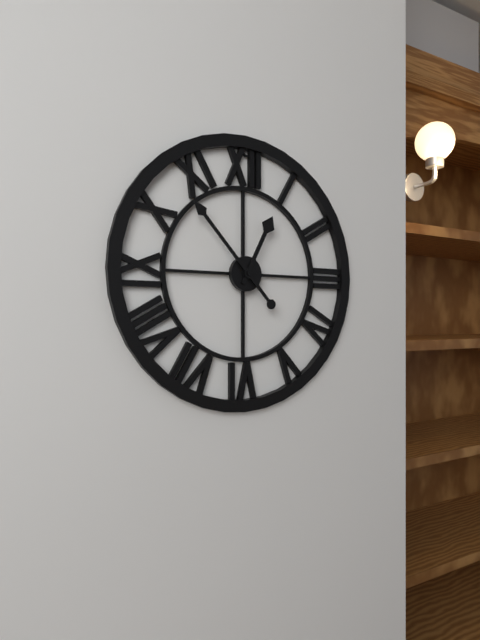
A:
12.53
